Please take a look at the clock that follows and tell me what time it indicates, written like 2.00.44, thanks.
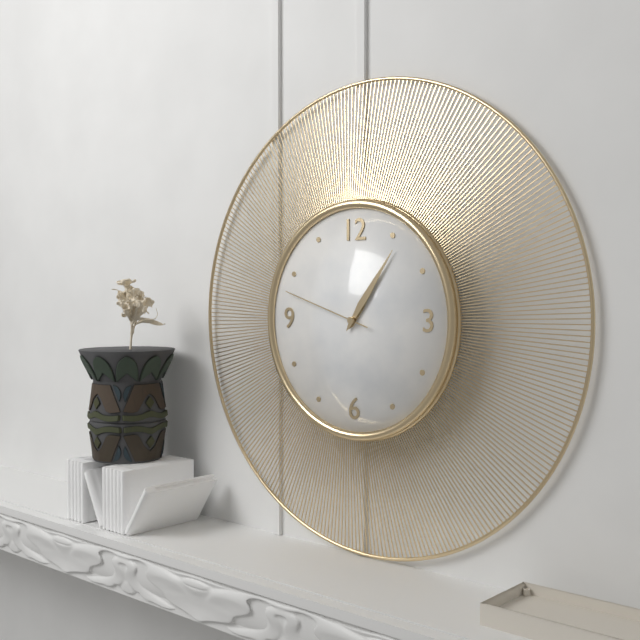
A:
1.06.48
